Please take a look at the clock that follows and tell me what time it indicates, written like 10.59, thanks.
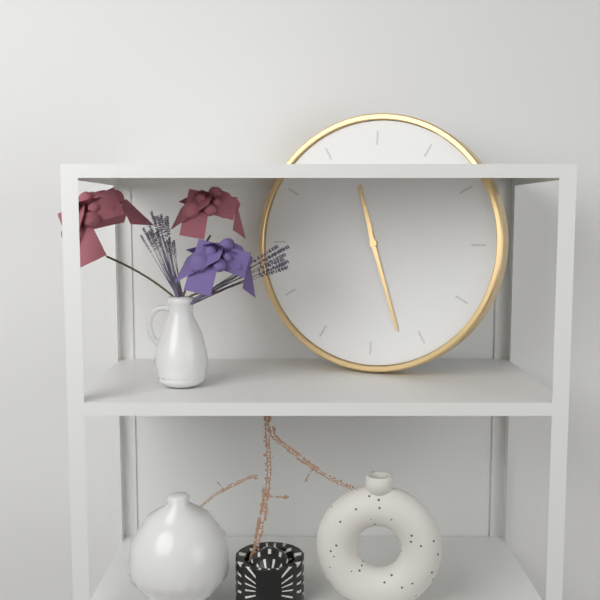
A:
11.27
